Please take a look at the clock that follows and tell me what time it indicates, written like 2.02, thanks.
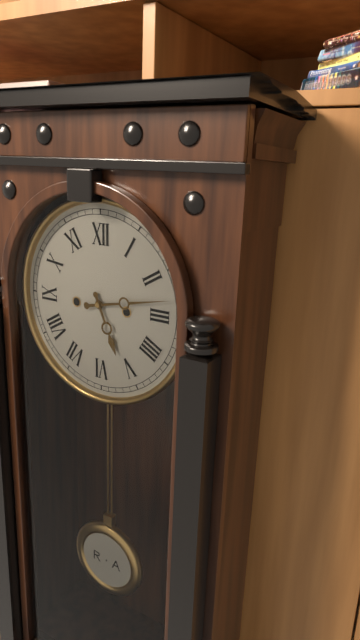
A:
5.13
